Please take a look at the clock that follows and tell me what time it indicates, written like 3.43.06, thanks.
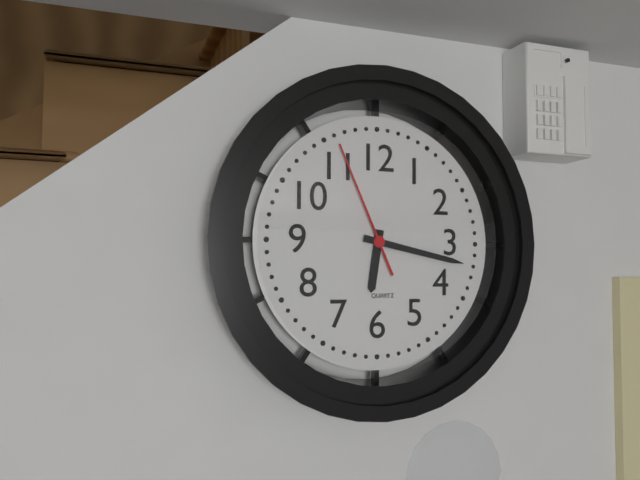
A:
6.17.56
